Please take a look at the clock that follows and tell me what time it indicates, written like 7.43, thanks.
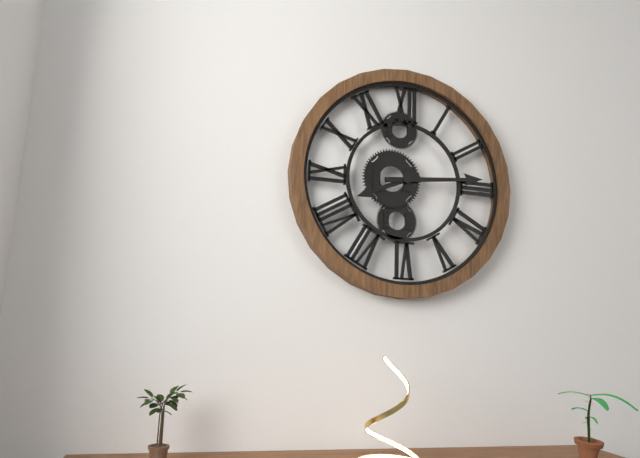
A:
8.14
